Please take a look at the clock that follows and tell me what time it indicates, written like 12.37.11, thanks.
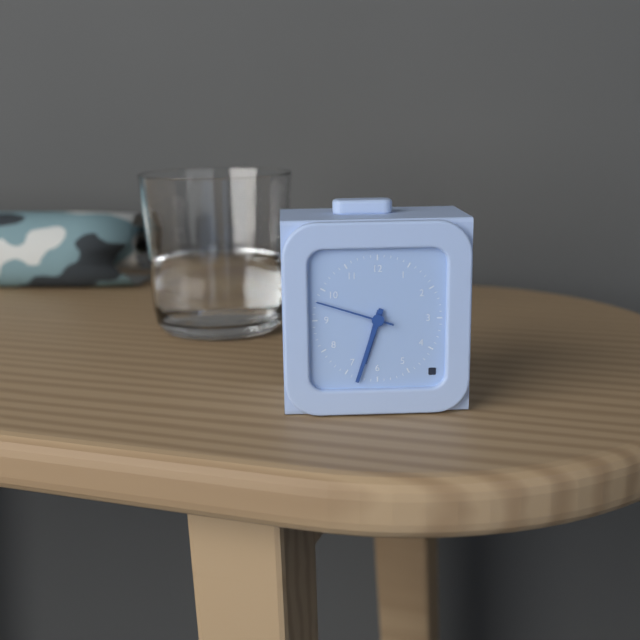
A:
6.33.48
